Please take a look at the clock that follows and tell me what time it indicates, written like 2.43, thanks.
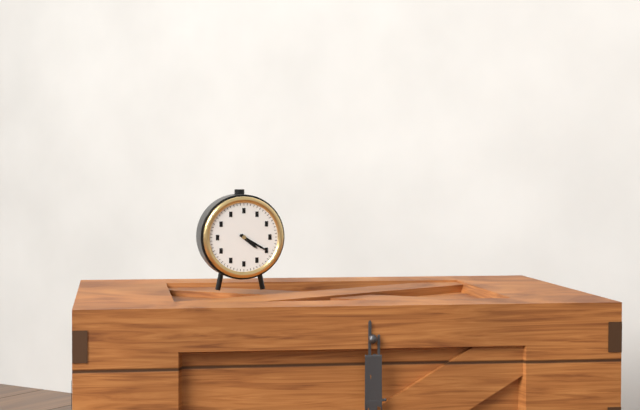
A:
4.20
